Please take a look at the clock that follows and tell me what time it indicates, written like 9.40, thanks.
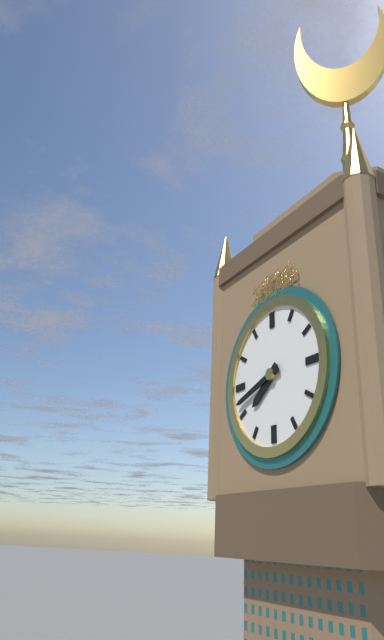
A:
7.42
